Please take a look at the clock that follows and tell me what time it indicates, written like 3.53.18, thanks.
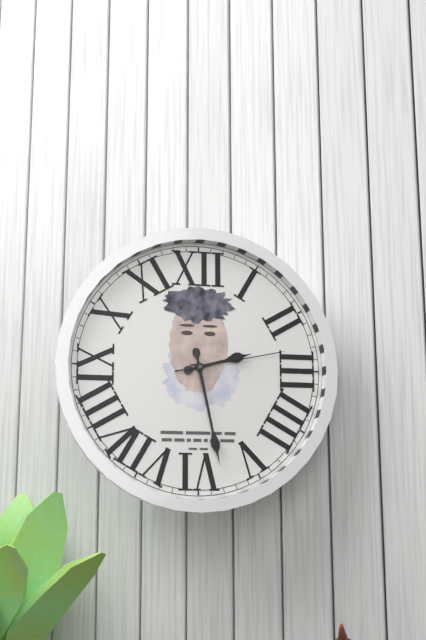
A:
2.28.13
